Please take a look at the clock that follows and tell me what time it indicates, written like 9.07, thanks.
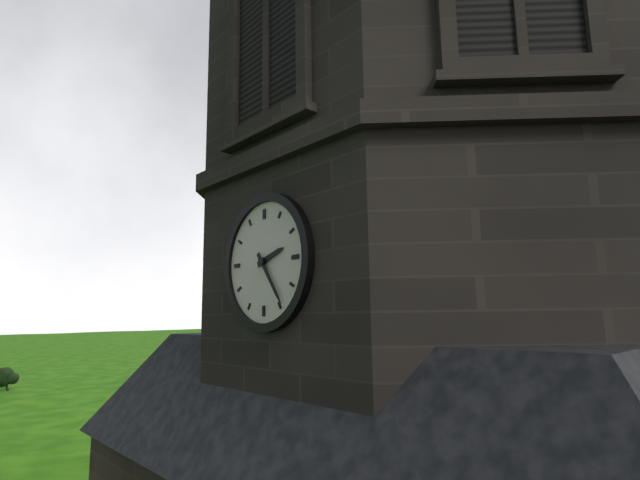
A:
2.24
